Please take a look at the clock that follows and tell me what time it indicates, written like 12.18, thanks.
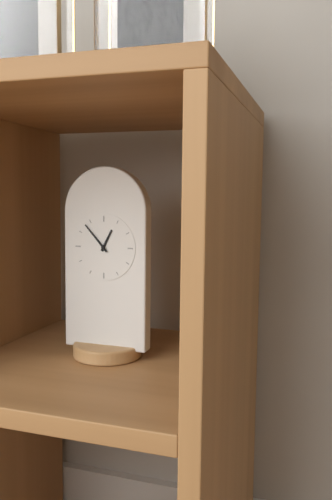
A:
12.53
